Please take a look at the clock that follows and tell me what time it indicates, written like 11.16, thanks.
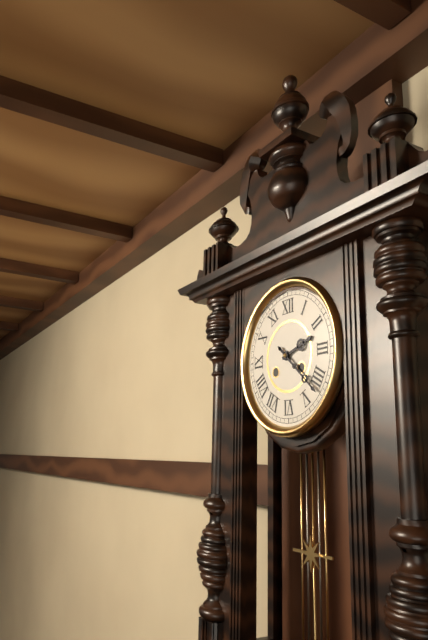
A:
2.22
